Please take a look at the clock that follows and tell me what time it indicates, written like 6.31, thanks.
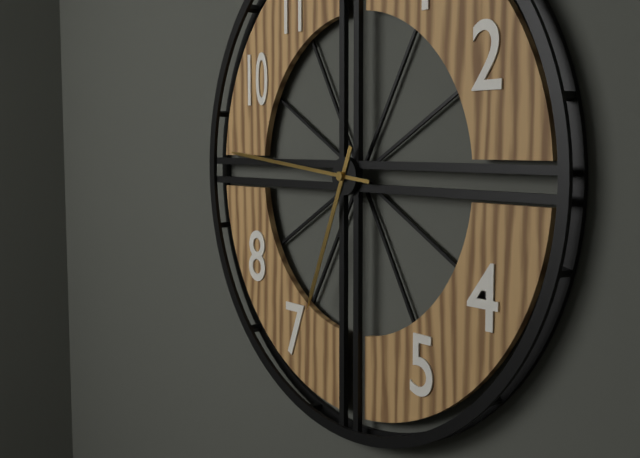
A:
6.46
